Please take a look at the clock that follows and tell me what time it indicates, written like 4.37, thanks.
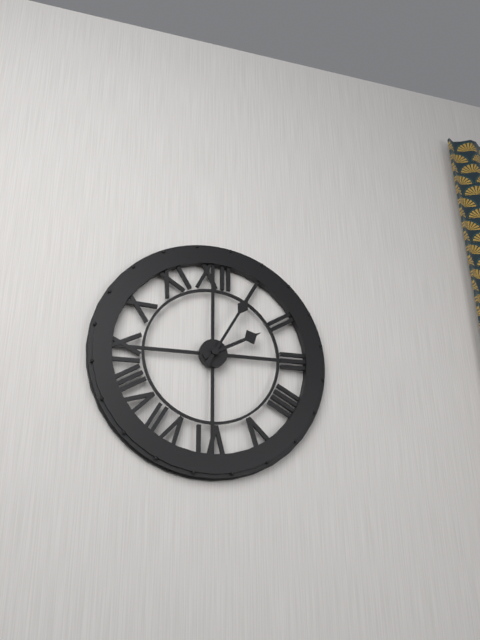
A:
2.05
